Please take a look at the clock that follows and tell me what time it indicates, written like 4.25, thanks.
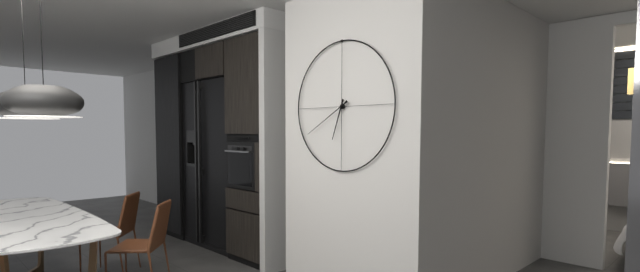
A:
6.40
